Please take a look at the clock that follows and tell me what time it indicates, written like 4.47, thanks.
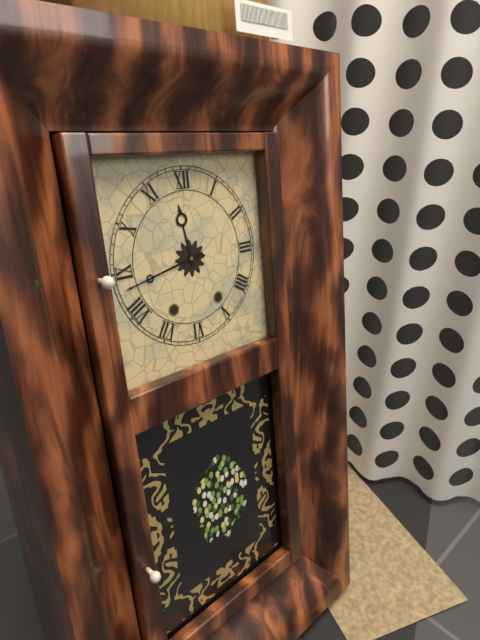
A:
11.43
